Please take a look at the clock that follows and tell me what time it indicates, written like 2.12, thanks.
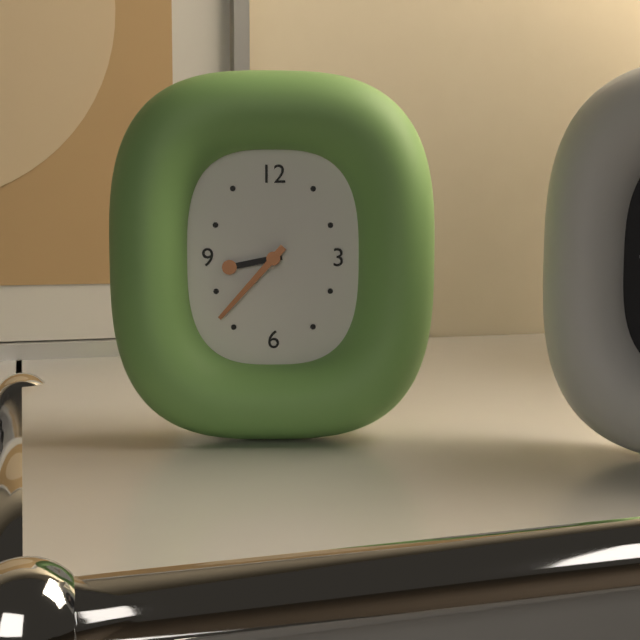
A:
8.37
